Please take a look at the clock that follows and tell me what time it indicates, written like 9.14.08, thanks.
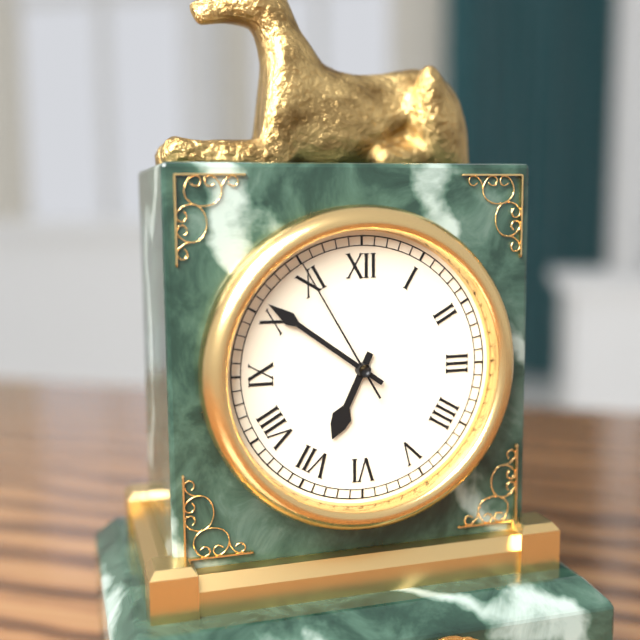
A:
6.51.55
